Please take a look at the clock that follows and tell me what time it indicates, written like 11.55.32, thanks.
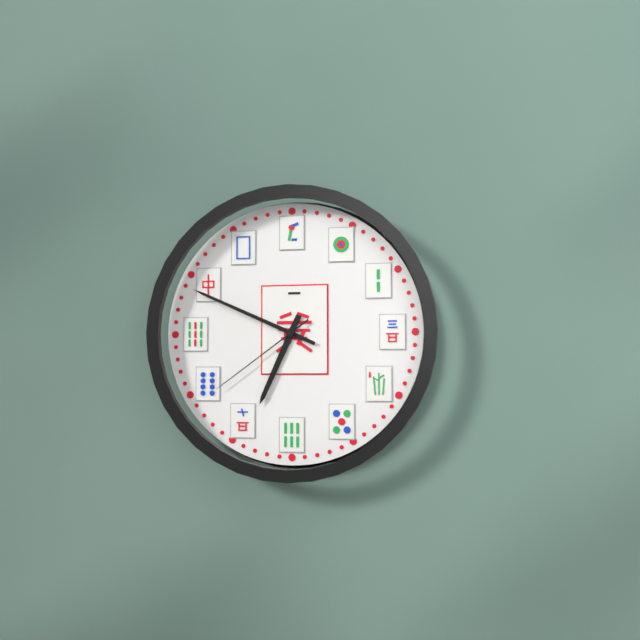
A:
6.49.39
